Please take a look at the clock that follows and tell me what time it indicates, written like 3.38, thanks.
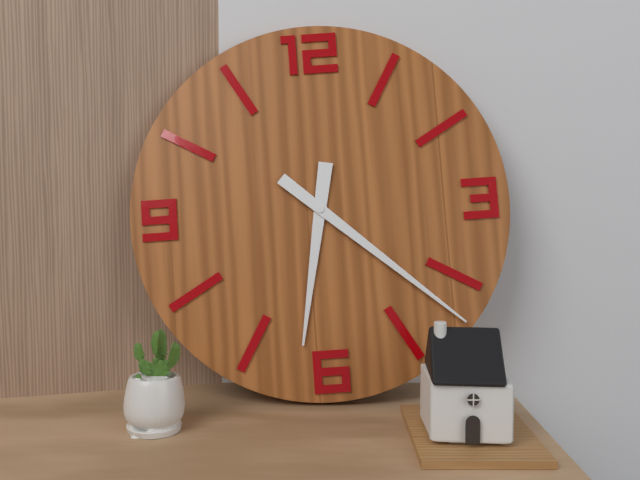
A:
6.22
